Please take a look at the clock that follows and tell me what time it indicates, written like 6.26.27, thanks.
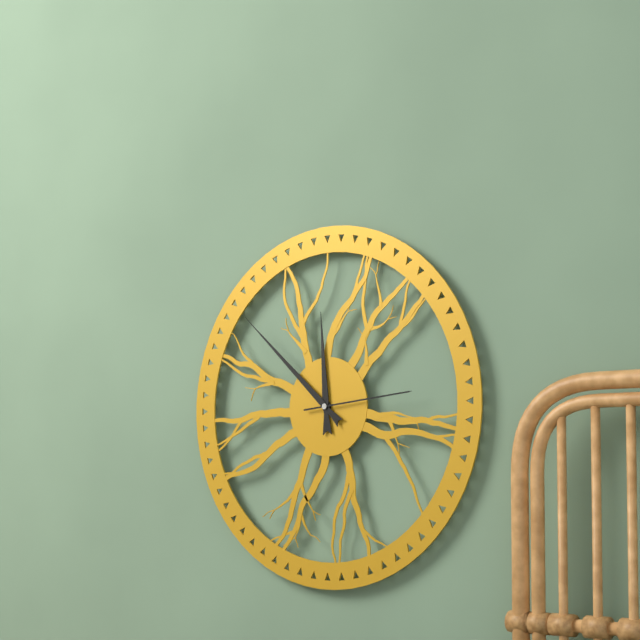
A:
11.52.14
